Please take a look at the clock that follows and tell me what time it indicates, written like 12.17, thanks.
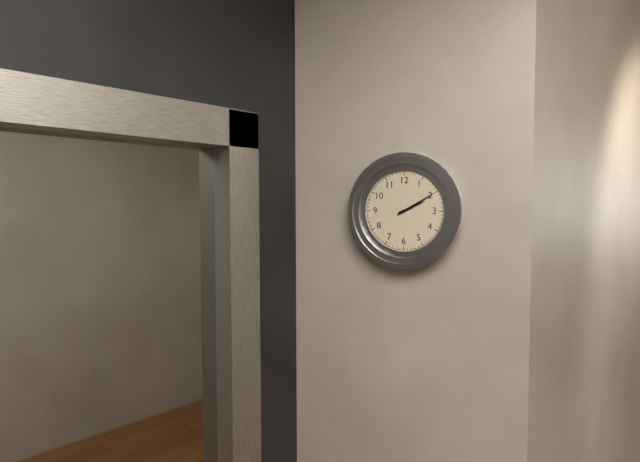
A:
2.10
